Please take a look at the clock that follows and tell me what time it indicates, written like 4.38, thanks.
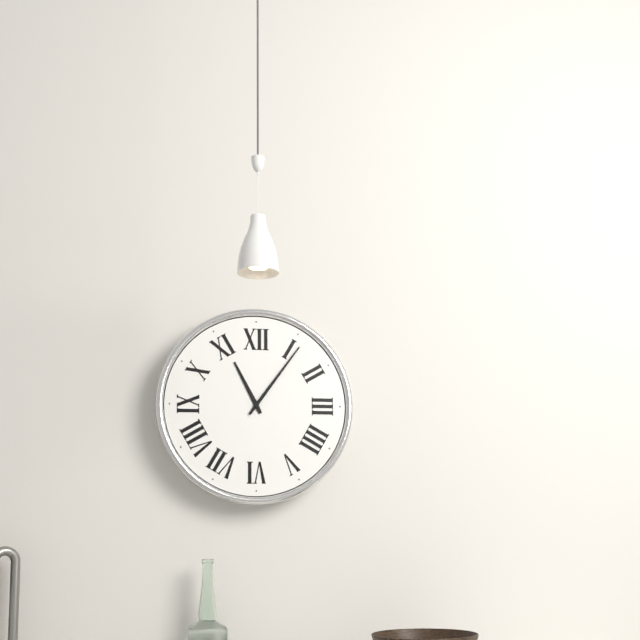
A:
11.06
